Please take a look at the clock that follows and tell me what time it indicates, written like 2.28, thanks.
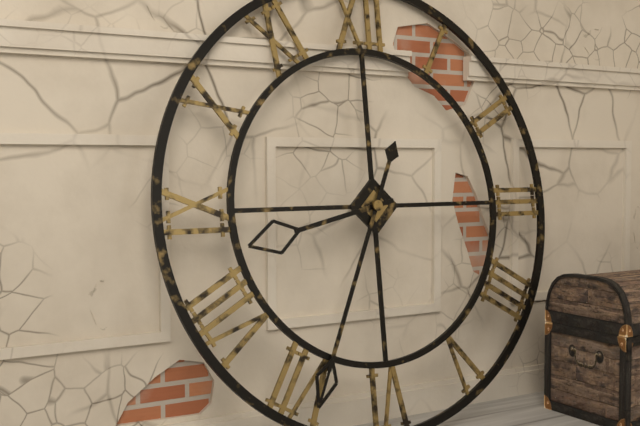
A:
8.34
